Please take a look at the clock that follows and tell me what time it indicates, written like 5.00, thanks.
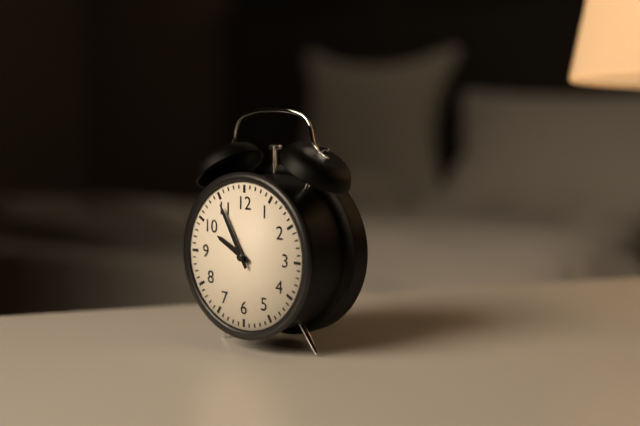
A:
9.55
